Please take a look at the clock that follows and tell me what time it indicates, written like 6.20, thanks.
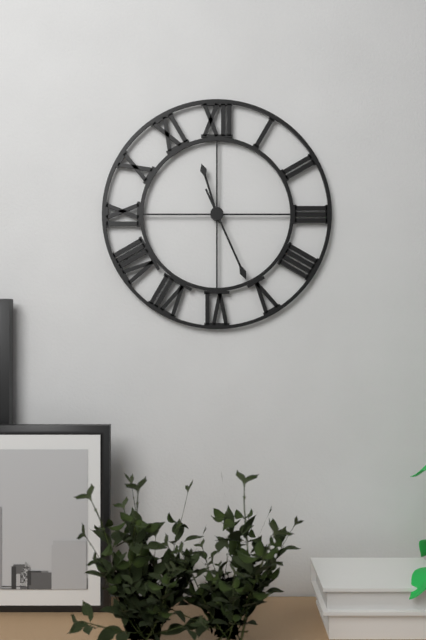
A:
11.26
